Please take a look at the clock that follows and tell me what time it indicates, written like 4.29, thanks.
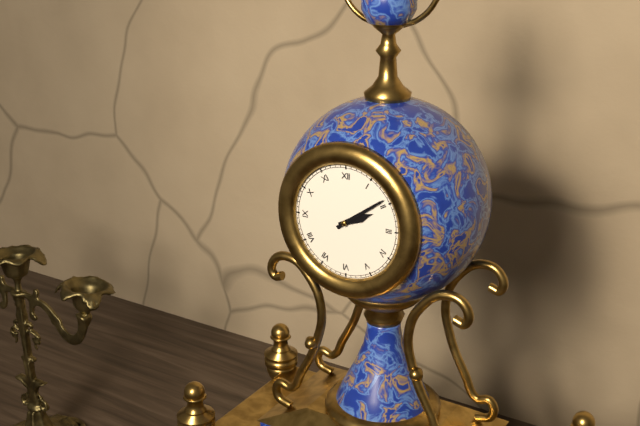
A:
2.09
